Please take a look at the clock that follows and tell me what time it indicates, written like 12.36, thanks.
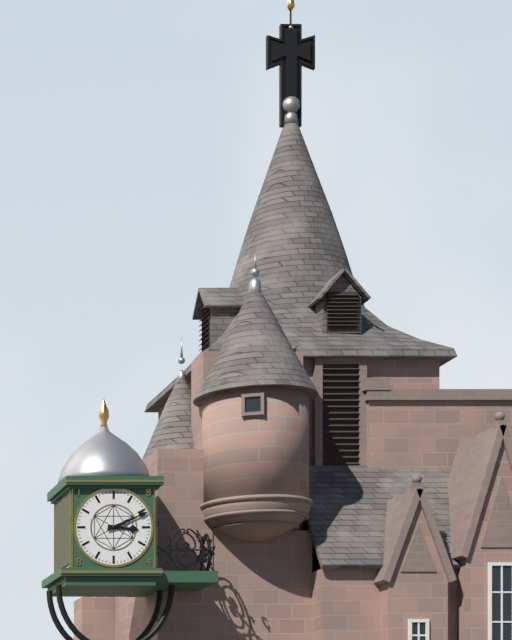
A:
3.11
